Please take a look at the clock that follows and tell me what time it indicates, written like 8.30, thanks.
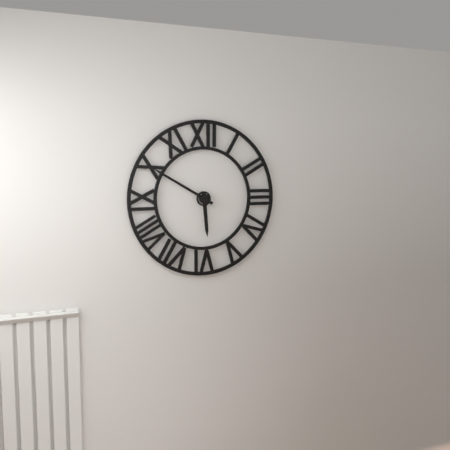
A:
5.50
